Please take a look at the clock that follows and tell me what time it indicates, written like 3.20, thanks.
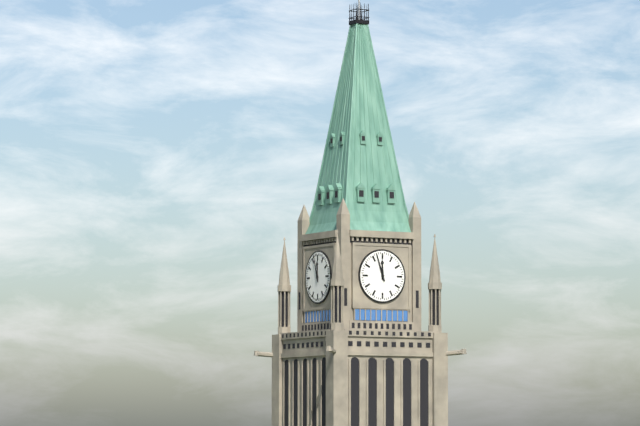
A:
11.57
